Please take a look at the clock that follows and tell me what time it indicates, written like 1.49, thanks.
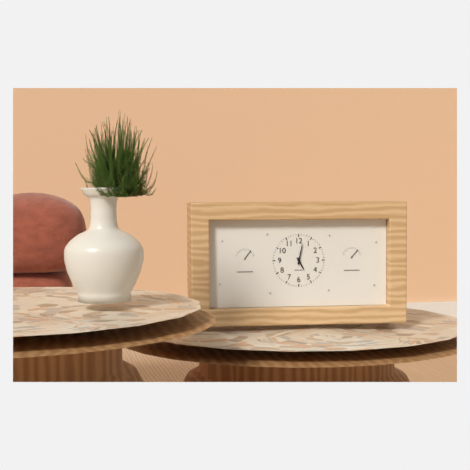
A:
5.02
